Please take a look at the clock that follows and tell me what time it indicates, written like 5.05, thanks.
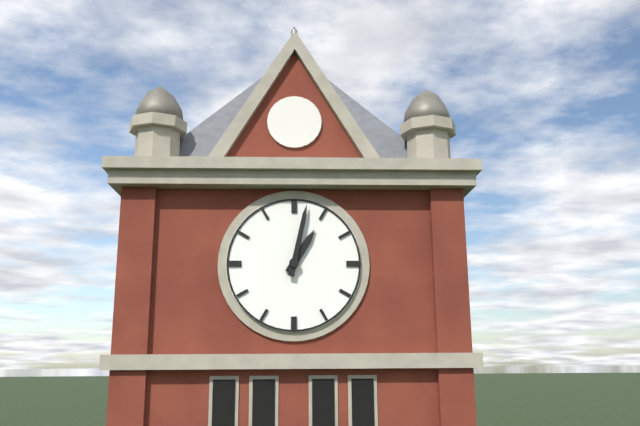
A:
1.02
